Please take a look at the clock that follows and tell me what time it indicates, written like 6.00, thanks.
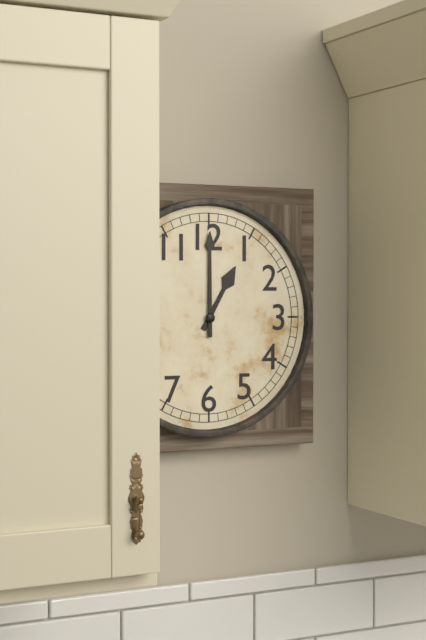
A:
1.00
